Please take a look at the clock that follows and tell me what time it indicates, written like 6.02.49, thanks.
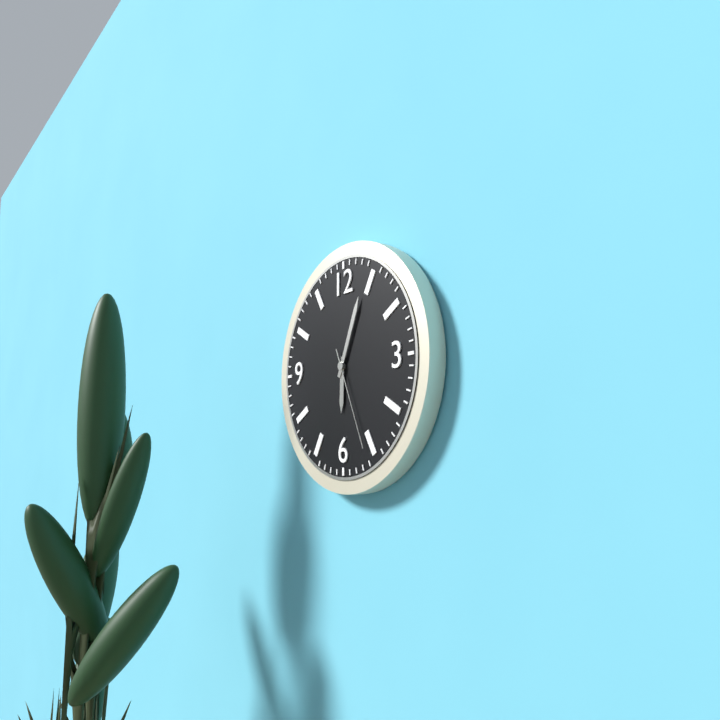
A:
6.04.26
